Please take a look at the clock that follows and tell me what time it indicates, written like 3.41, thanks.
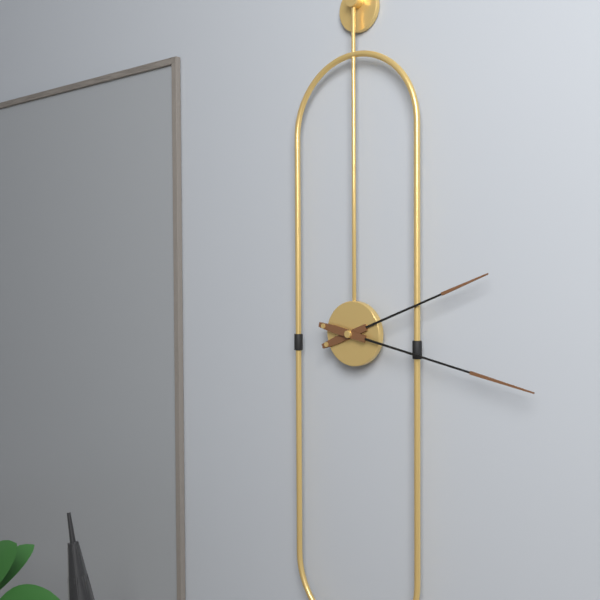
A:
2.17
